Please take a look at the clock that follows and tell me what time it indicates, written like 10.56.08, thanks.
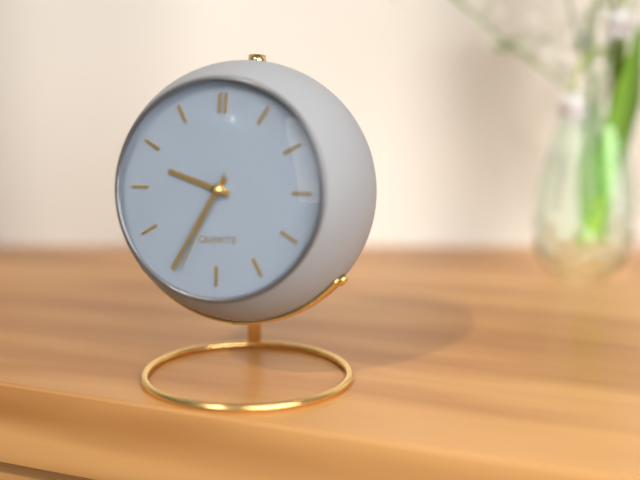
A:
9.35.34
